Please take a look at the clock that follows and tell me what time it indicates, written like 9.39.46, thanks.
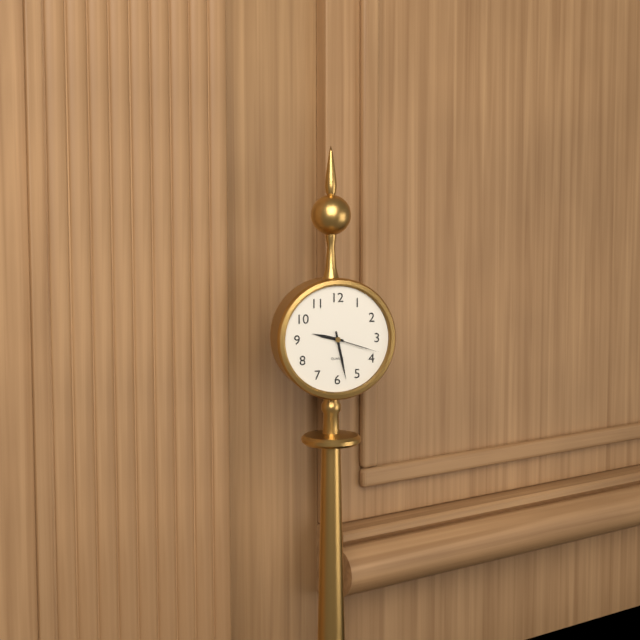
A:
9.28.18
